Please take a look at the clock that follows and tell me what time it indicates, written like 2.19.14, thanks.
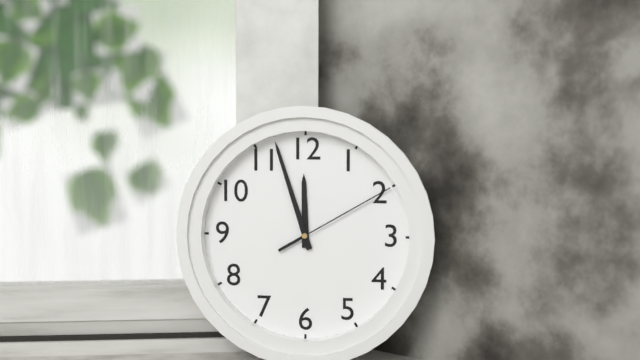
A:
11.57.10
